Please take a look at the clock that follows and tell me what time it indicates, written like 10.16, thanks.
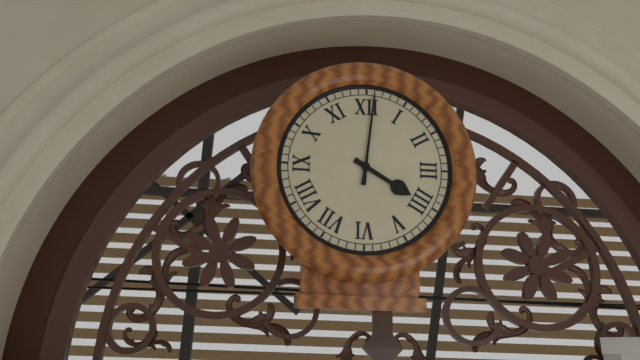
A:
4.01
